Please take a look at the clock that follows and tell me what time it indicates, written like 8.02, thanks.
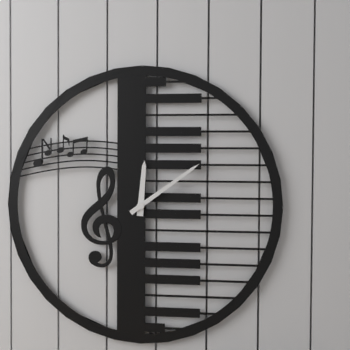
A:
12.09
